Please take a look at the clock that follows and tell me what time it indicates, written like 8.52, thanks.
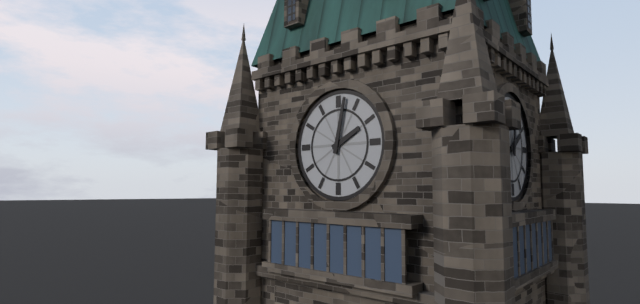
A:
2.02
